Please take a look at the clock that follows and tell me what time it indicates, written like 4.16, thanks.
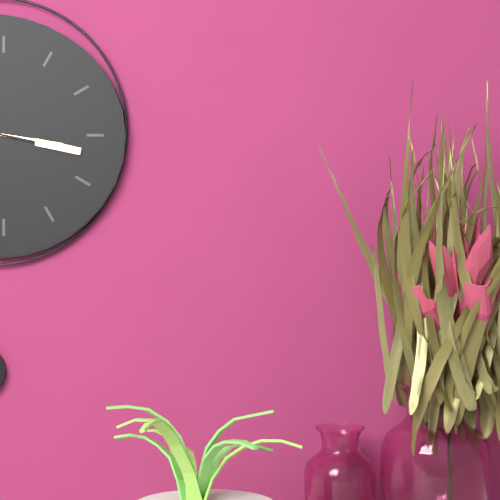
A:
3.17
